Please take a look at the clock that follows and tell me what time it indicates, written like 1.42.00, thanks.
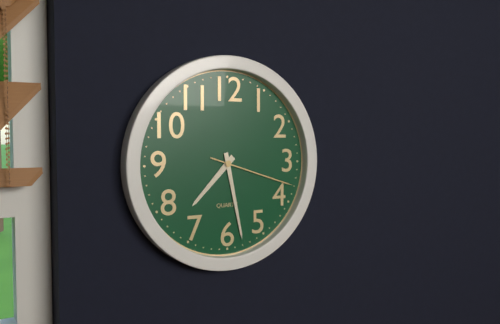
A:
7.28.18
